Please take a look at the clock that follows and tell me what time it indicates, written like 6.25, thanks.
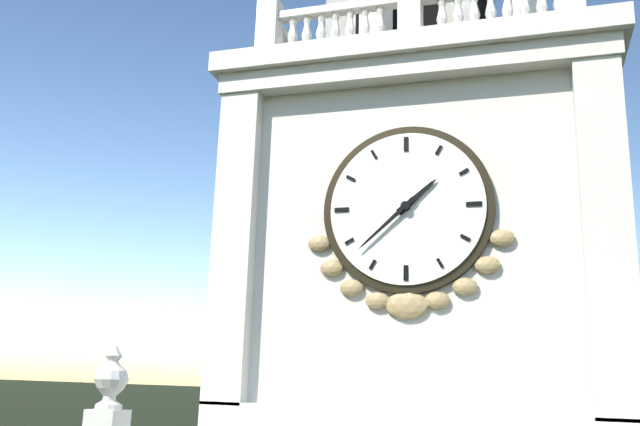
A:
1.38
